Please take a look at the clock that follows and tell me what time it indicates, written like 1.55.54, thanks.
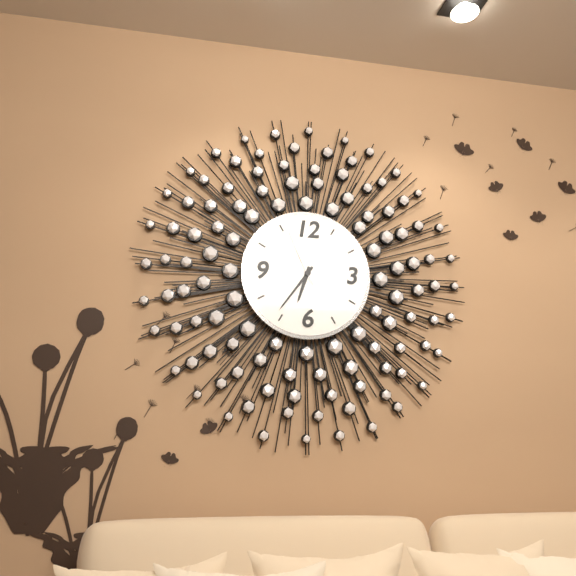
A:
6.36.56
